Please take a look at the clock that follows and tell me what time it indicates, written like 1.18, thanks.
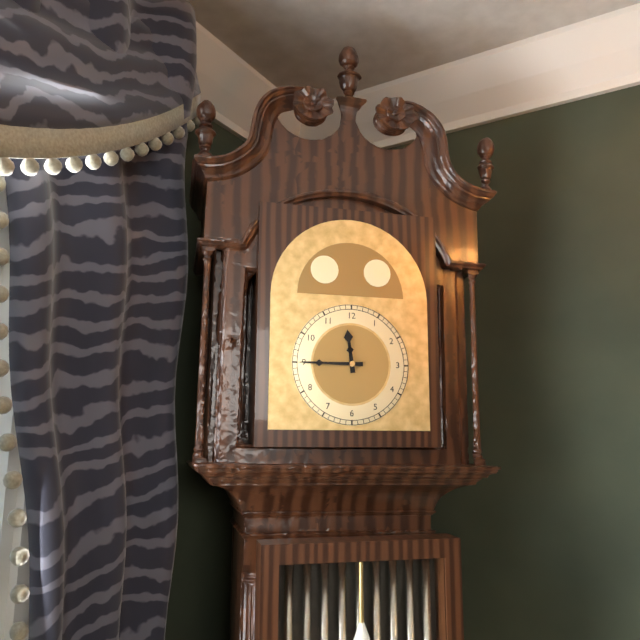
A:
11.45
